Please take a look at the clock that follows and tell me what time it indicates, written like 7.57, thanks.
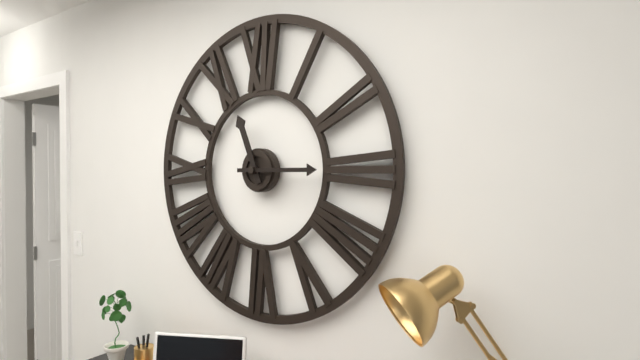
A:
11.15
